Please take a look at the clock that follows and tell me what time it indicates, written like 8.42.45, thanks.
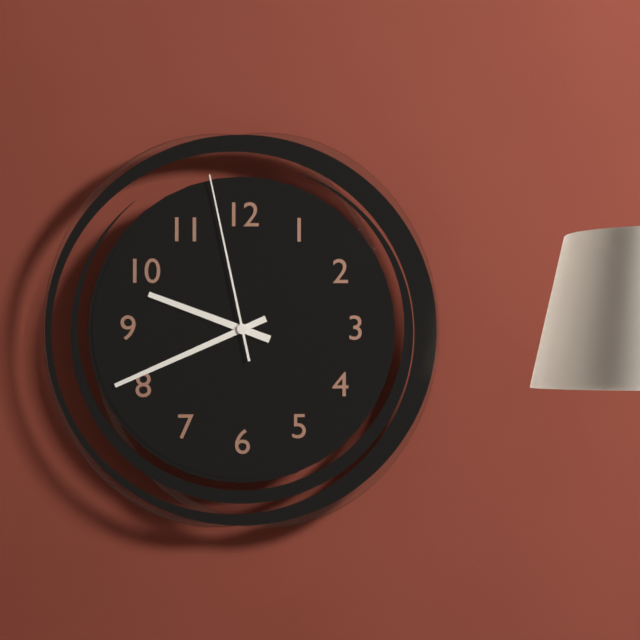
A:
9.41.58
